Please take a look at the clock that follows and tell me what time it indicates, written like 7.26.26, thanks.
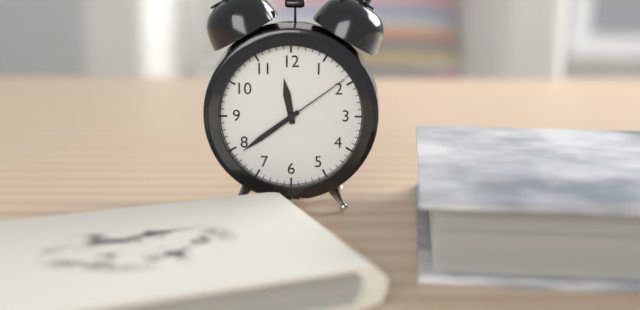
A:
11.39.09
